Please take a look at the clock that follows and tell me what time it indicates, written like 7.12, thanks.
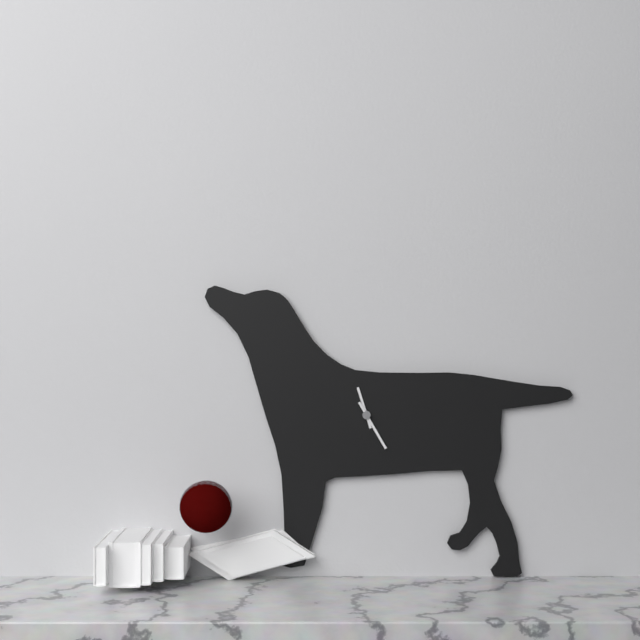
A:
11.25
